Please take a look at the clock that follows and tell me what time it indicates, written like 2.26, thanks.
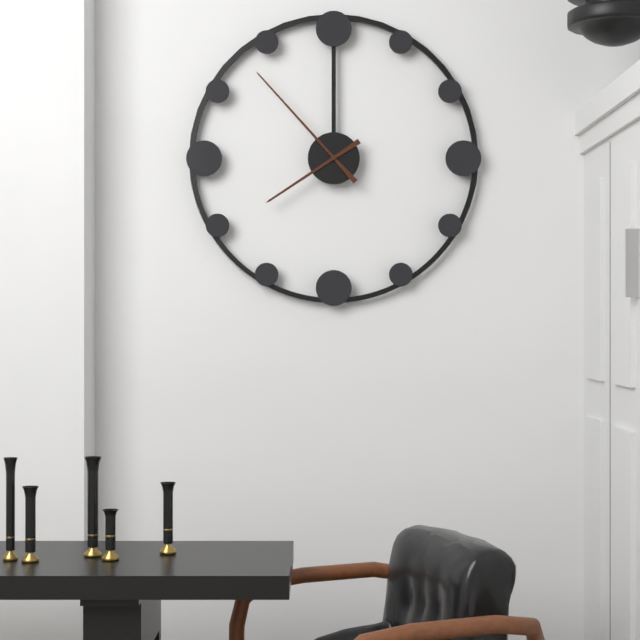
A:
7.53
